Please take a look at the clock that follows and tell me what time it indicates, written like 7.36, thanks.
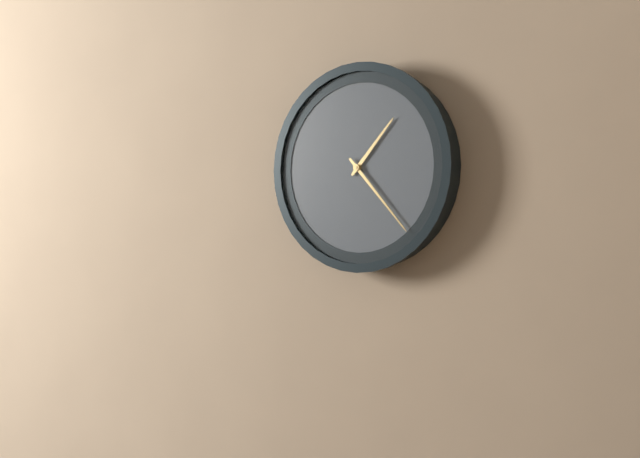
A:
1.23
